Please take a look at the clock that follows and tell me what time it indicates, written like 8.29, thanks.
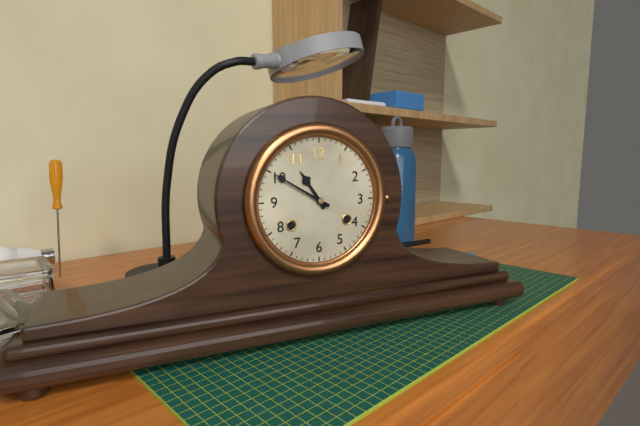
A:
10.50
